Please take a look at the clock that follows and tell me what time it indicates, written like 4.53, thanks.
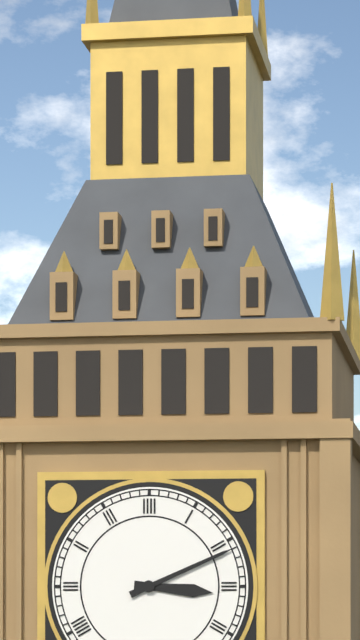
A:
3.11
